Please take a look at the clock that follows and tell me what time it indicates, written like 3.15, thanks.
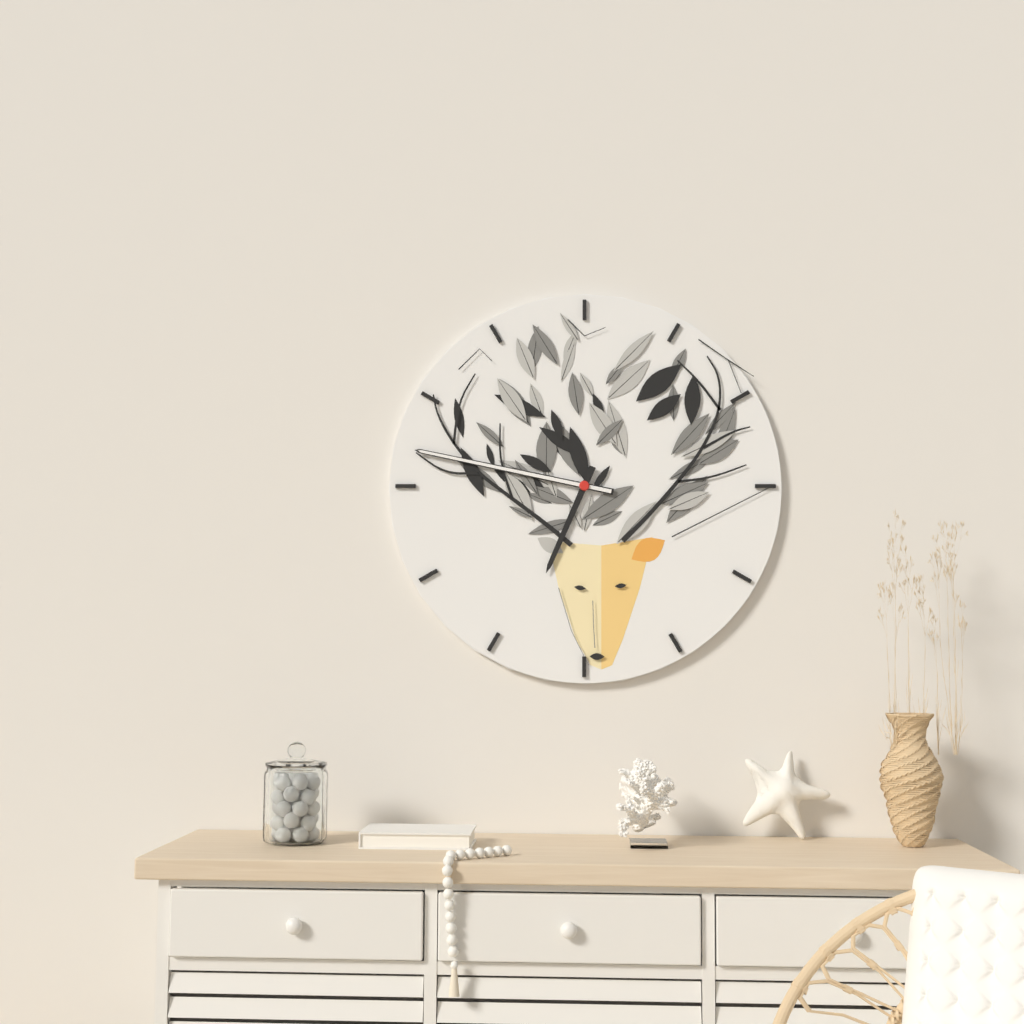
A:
6.47
